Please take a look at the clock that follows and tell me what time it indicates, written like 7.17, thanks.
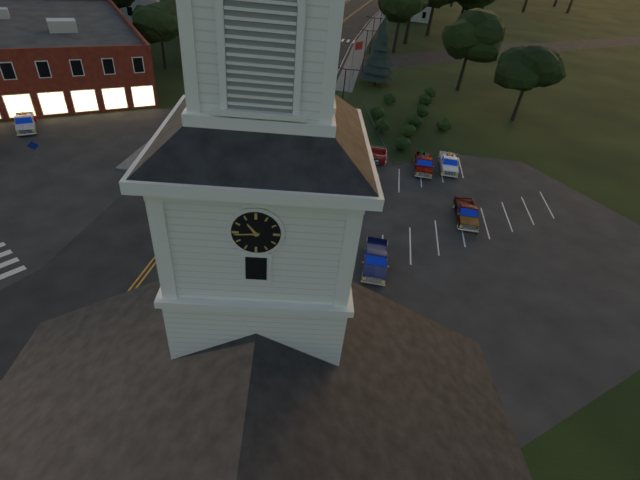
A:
10.44
